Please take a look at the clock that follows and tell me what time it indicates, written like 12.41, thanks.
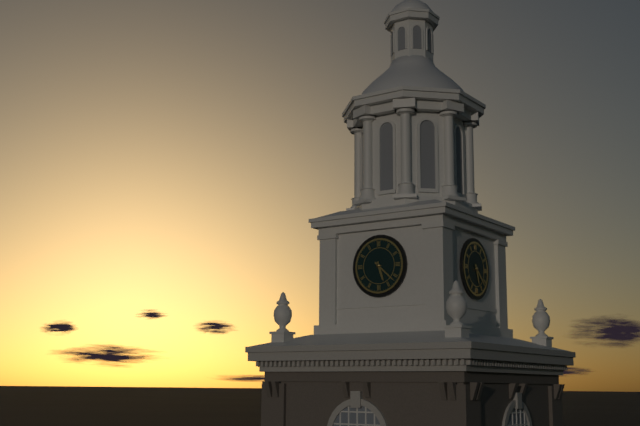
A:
5.22
